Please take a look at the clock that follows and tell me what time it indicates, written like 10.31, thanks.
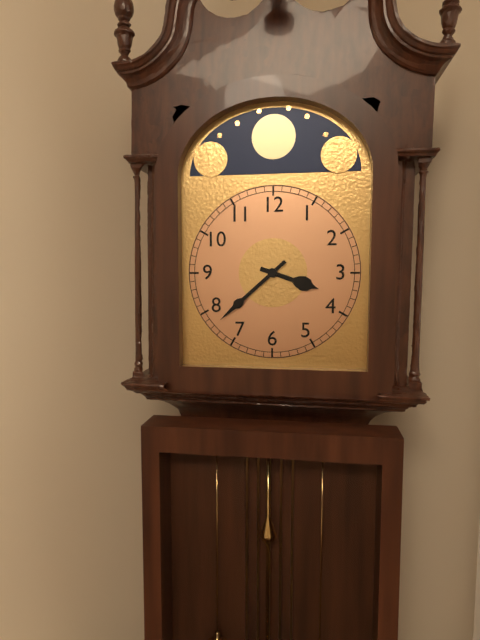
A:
3.38
